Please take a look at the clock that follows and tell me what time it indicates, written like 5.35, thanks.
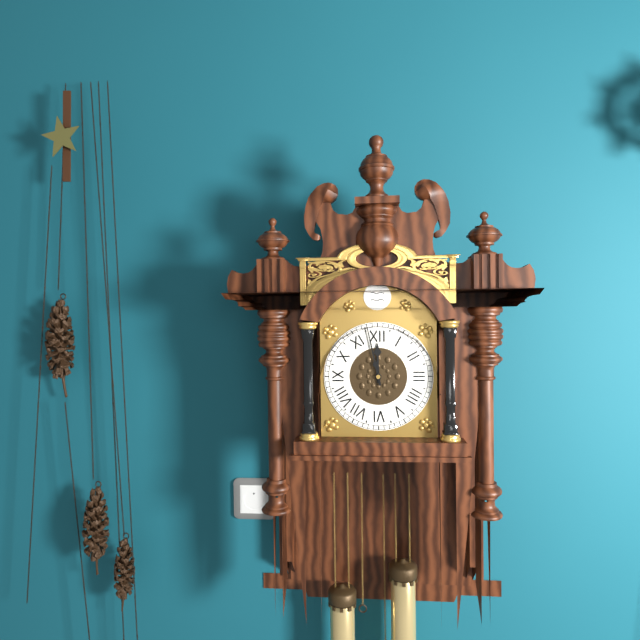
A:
11.58
